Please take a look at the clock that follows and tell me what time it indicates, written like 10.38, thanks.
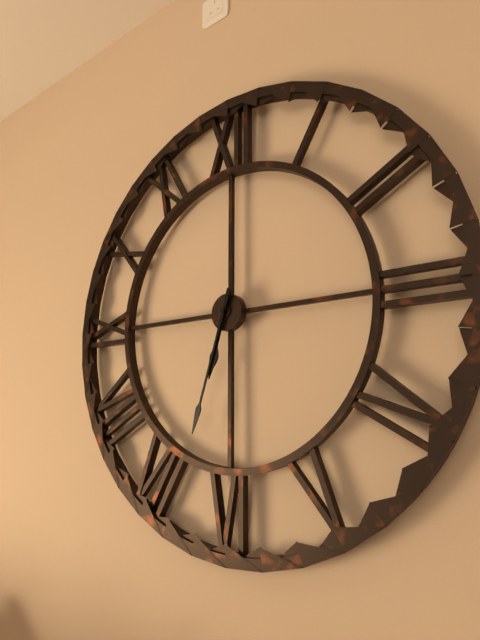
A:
6.33
